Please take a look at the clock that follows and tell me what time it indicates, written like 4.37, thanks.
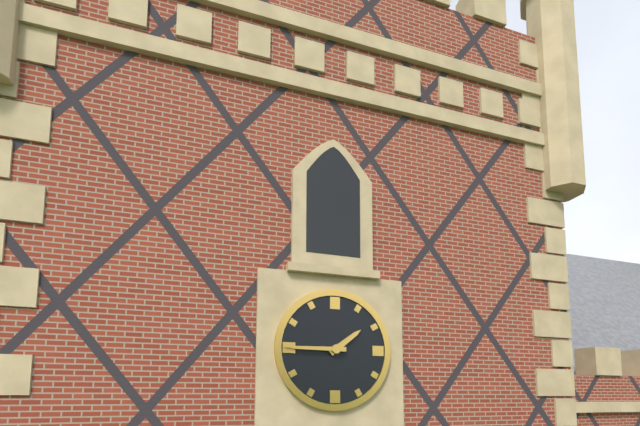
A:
1.45
